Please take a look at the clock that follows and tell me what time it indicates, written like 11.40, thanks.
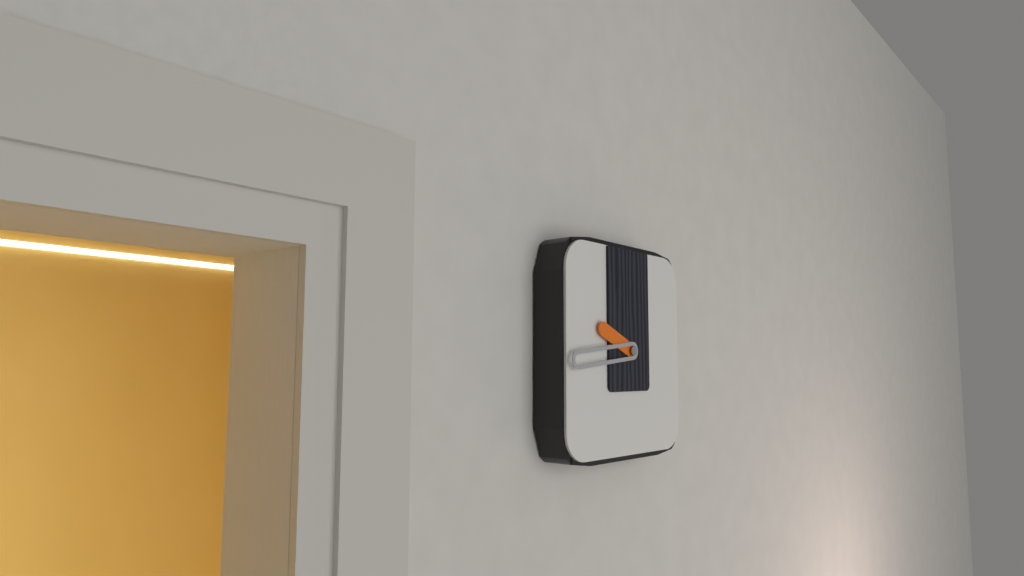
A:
9.44
